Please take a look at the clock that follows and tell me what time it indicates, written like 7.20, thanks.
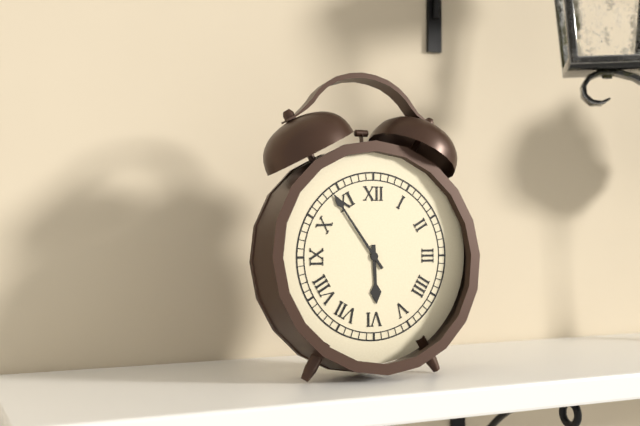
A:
5.54
